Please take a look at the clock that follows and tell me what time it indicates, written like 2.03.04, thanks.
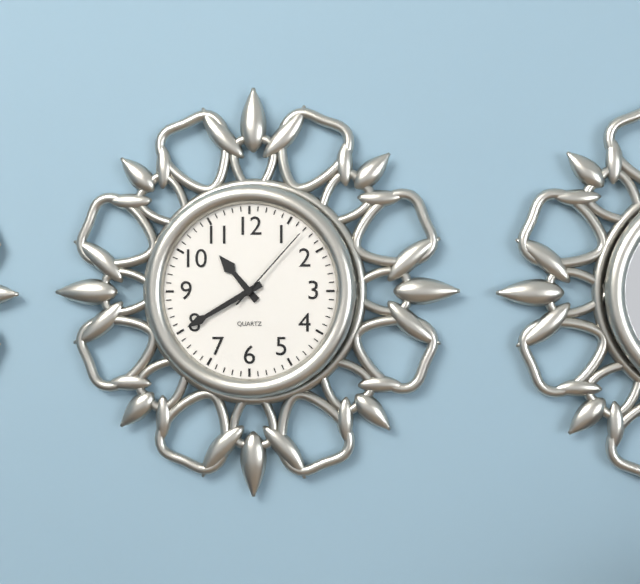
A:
10.40.07
